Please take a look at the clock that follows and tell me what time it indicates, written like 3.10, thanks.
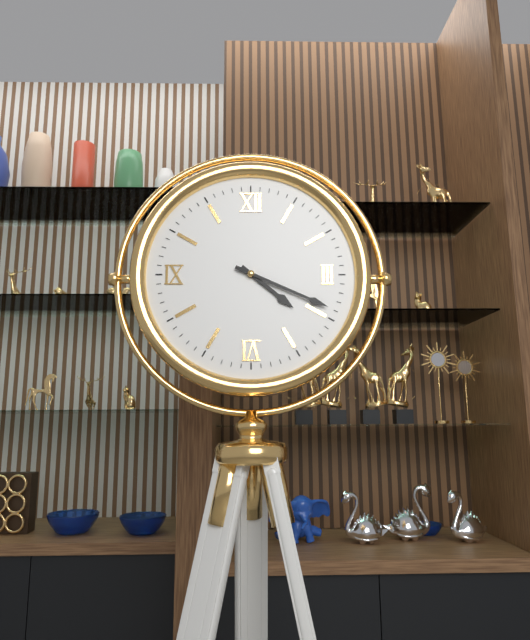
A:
4.19
